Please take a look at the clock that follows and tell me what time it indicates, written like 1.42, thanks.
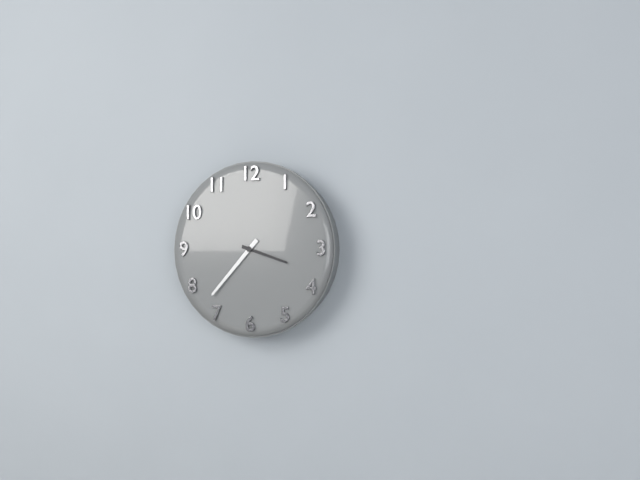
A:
3.37
